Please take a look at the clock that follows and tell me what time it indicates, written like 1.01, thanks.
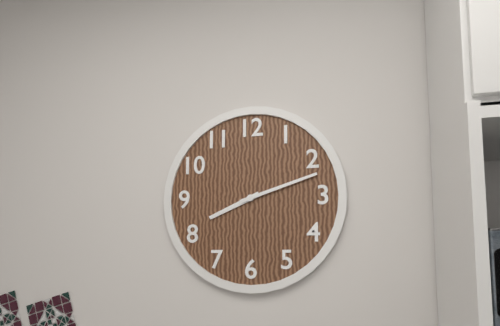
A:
8.12
